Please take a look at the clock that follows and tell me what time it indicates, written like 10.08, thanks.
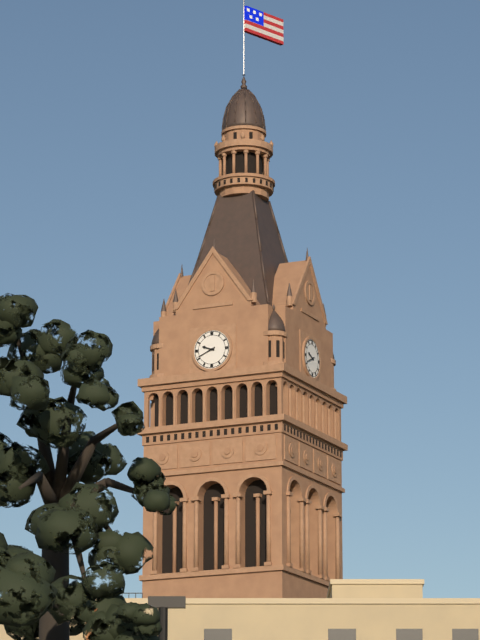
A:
9.41
